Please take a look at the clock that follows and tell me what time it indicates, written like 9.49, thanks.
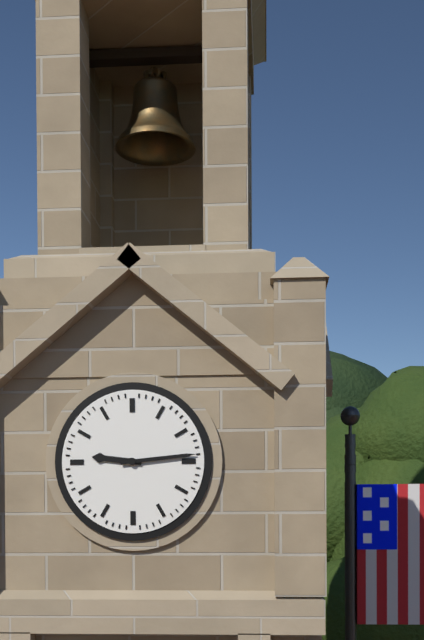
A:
9.14
